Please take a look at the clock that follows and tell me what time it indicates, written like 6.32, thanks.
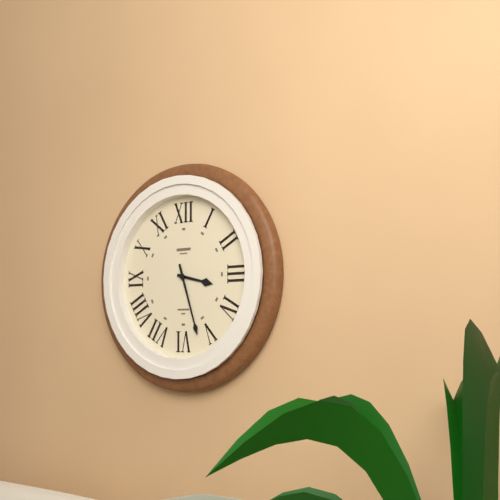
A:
3.27
